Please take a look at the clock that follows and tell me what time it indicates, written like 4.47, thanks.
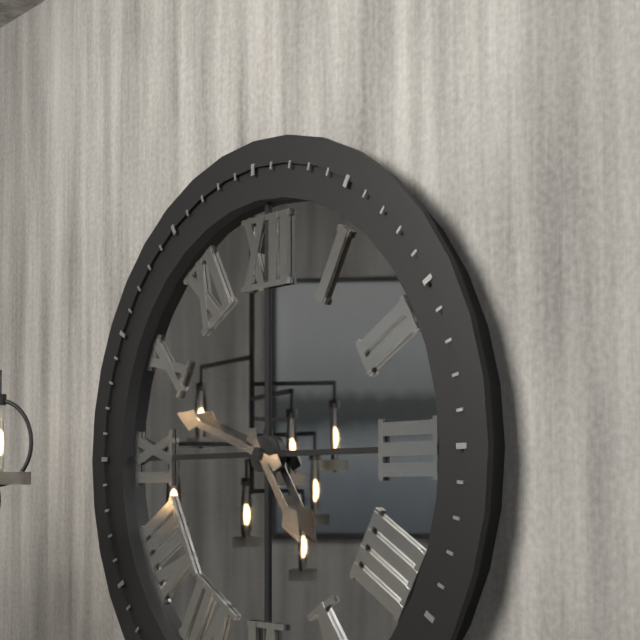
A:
4.48
